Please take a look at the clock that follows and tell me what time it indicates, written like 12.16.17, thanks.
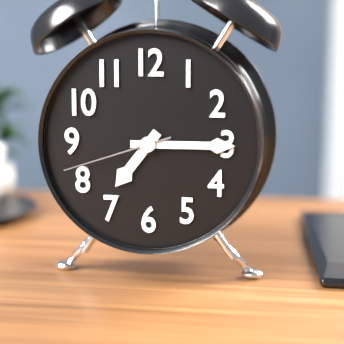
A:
7.15.42
